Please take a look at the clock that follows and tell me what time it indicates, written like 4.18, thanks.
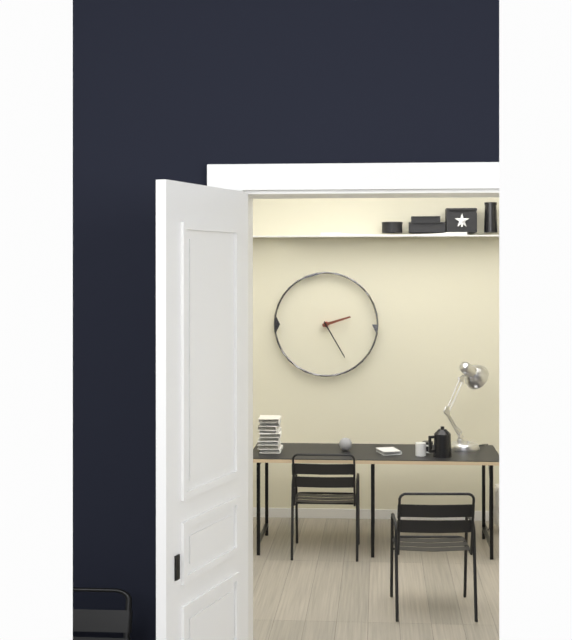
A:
2.25
